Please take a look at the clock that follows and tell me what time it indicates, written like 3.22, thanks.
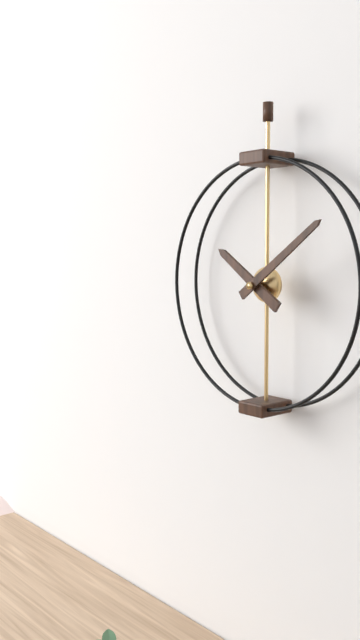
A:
10.09
